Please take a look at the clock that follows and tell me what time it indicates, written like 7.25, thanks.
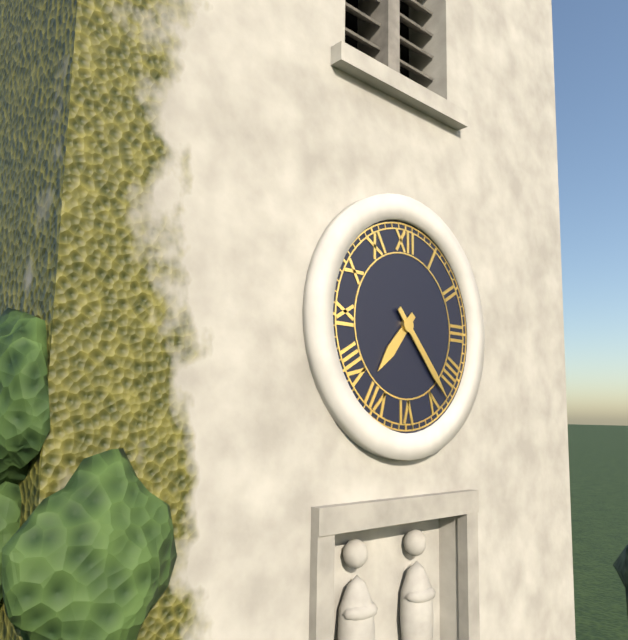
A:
7.23
